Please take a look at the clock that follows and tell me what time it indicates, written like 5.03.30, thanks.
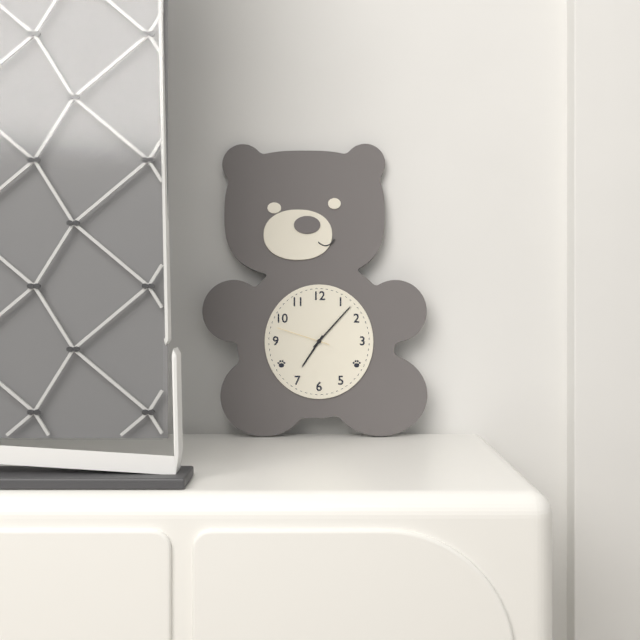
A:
7.07.48
